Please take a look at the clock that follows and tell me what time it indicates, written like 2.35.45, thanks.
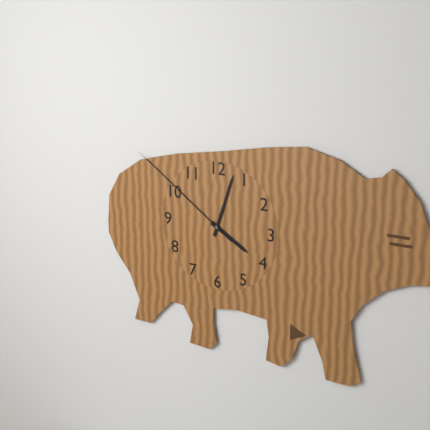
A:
4.03.51
